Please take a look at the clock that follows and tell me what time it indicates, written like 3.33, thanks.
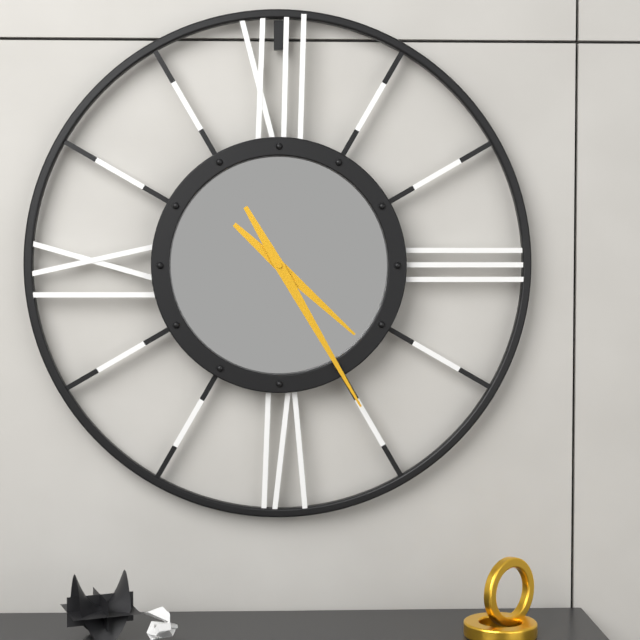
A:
4.25
